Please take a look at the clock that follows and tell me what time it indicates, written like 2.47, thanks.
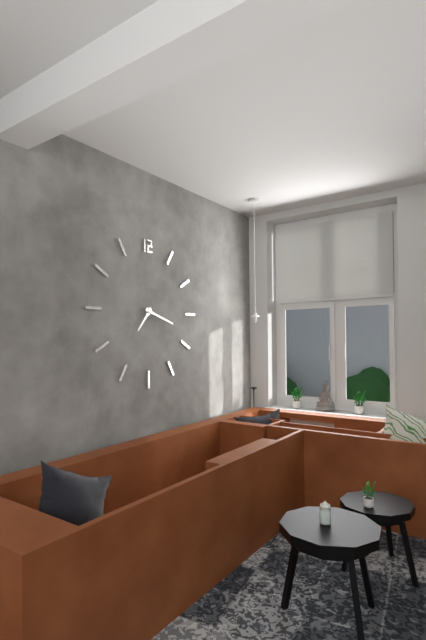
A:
7.18
